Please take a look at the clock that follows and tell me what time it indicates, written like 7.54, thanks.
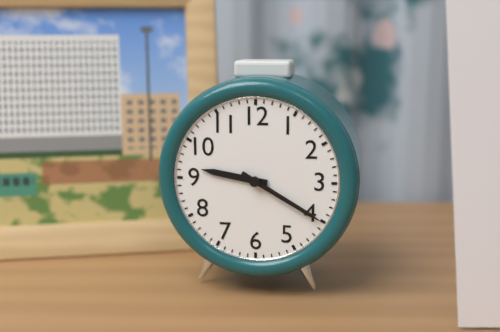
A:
9.20
